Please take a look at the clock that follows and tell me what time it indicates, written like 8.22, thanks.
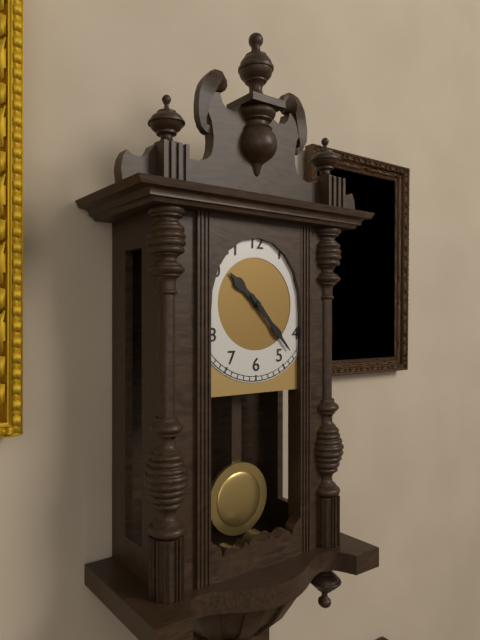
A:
10.23
